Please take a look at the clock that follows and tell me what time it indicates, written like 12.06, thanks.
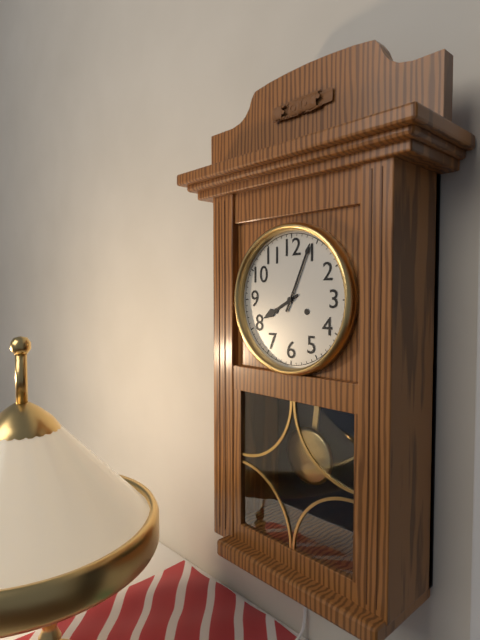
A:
8.04
